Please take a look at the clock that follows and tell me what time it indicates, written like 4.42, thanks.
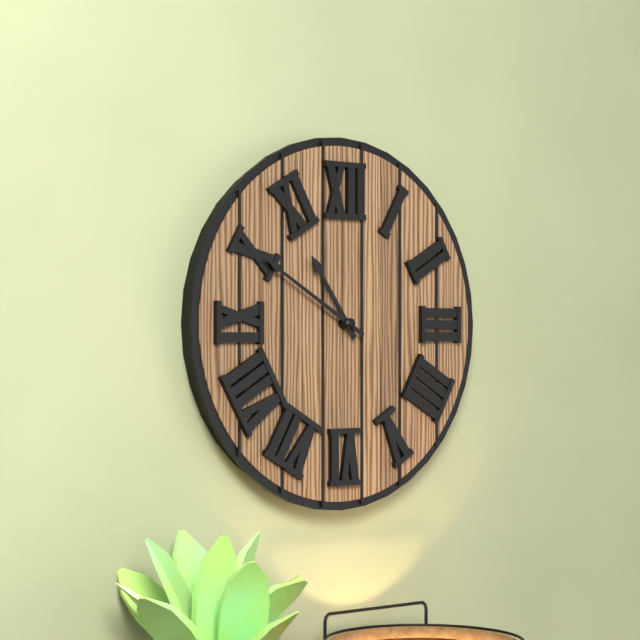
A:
10.50
